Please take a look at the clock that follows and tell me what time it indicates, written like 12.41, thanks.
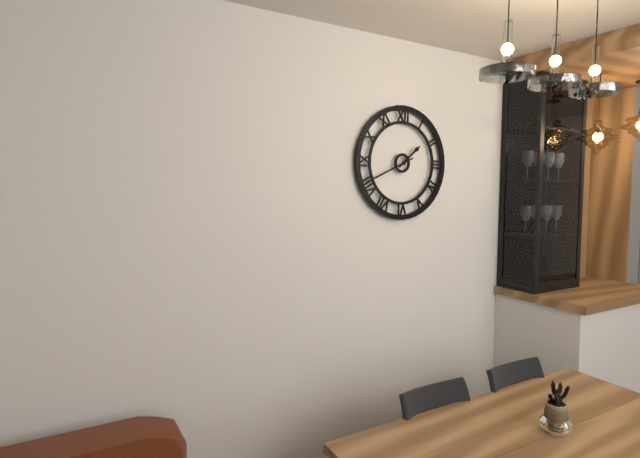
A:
1.41
